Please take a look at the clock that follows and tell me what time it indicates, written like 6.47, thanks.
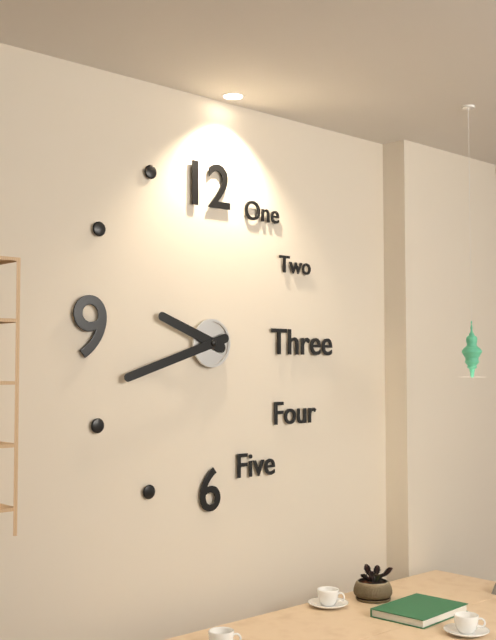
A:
9.42
